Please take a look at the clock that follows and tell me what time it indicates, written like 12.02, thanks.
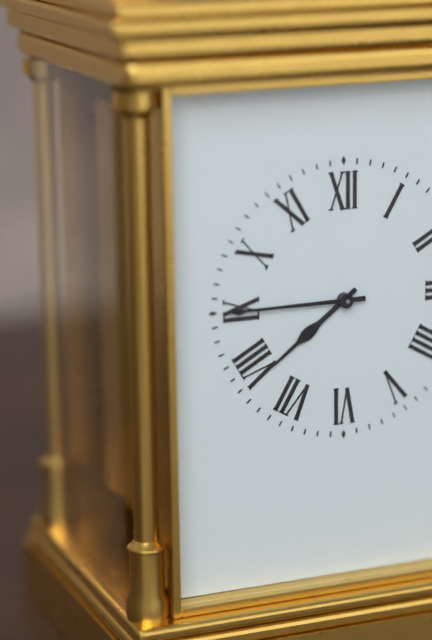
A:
7.45
